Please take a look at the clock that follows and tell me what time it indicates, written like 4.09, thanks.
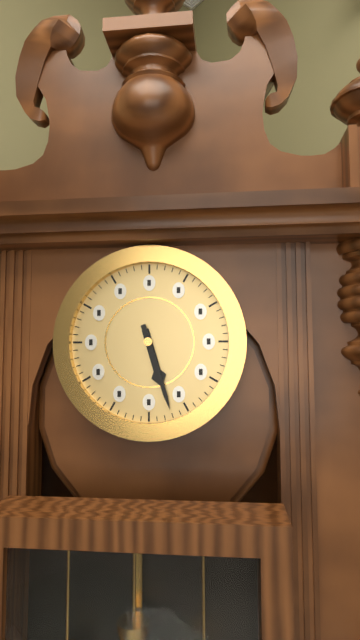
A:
5.27
